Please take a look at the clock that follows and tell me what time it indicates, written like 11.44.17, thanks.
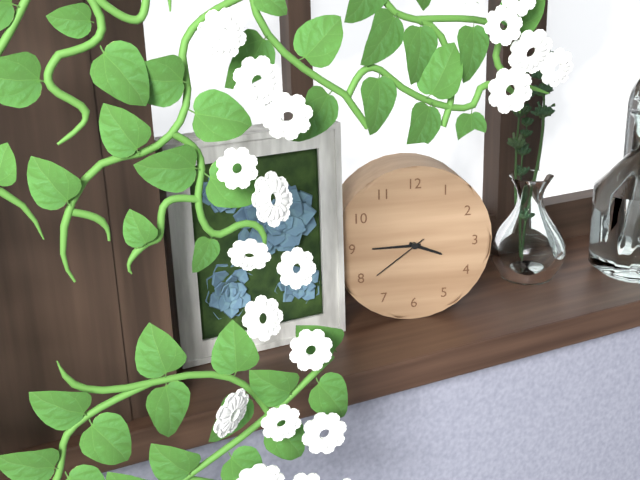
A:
3.45.39
